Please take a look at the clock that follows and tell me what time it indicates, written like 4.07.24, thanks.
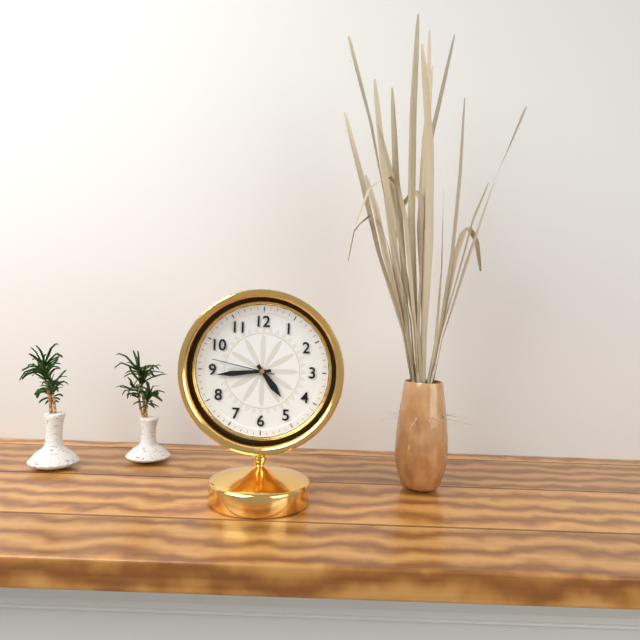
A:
4.44.47
